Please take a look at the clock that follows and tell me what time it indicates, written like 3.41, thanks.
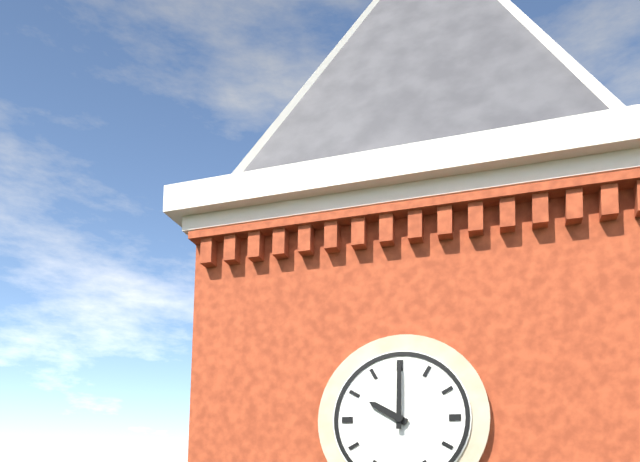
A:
10.00
